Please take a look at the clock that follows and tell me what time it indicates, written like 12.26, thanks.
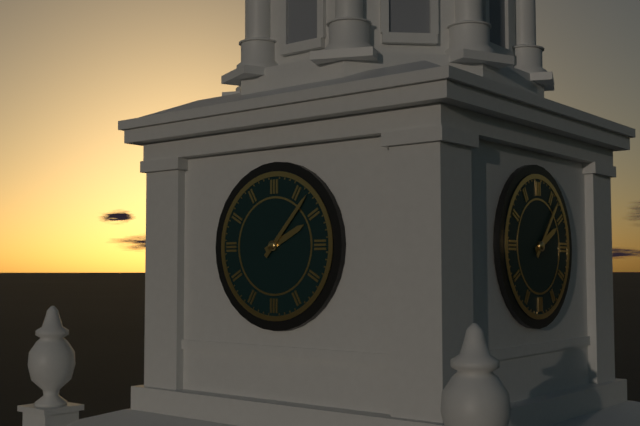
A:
2.07
